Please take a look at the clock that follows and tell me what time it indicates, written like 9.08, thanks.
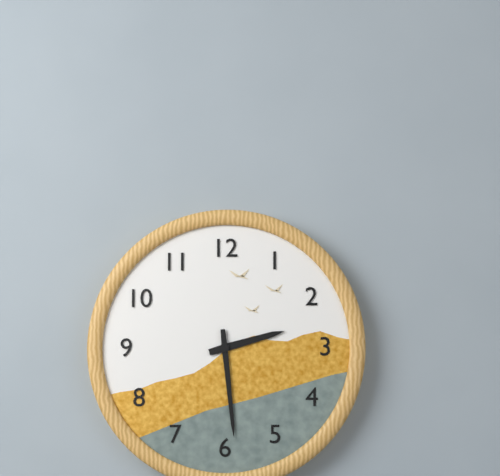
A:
2.29
